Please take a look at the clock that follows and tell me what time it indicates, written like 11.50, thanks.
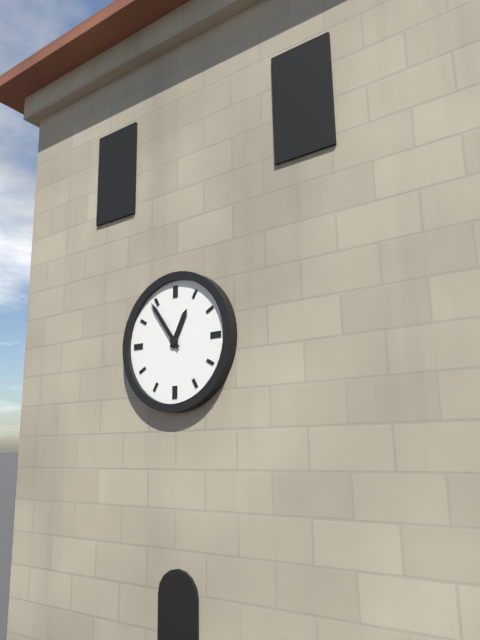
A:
12.54
